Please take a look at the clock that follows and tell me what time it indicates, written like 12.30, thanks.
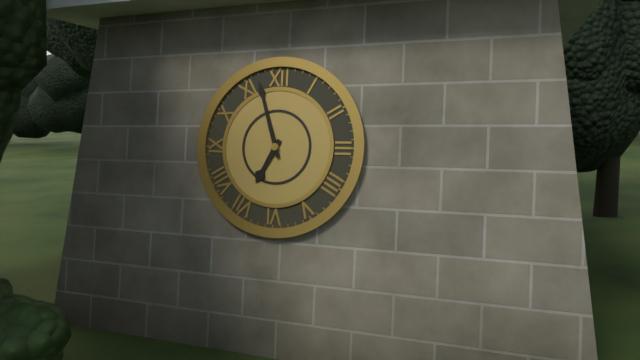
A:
6.57
